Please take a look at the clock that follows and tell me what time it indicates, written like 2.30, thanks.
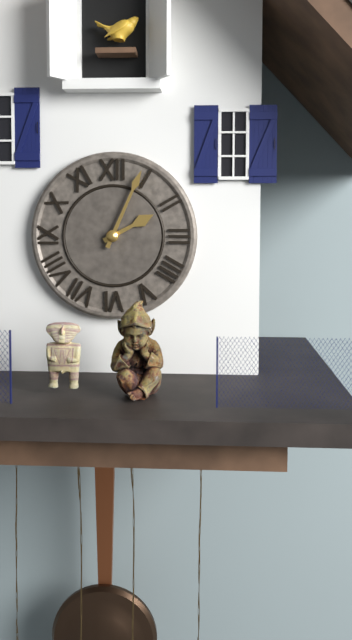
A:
2.04
